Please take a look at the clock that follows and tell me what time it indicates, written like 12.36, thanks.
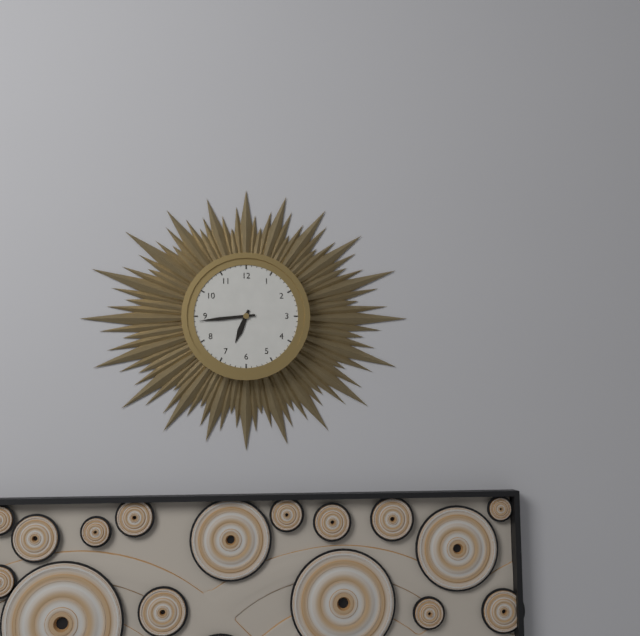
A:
6.44
